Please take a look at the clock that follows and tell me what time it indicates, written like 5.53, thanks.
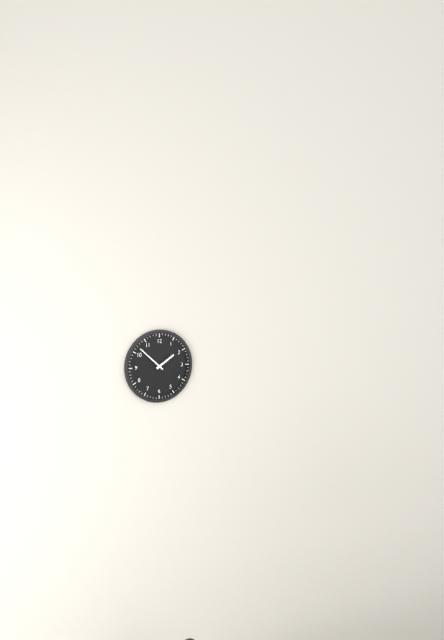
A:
1.52
